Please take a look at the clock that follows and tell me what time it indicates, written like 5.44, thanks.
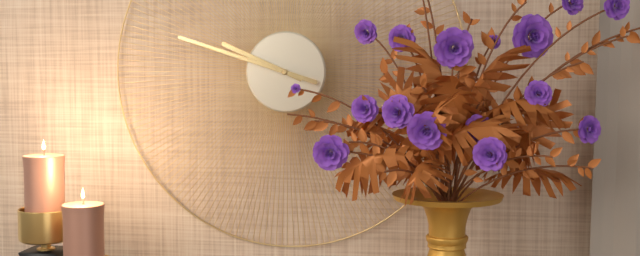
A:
9.48
